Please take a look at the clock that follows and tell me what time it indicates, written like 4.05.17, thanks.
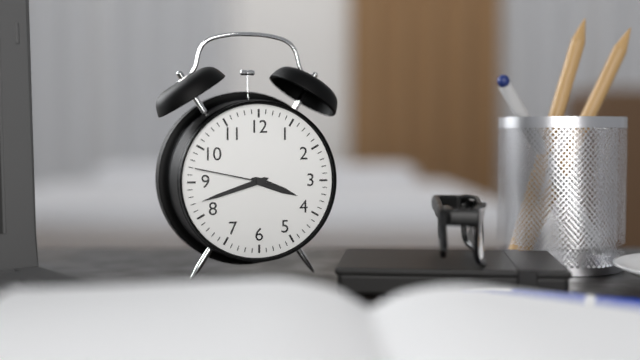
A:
3.42.47
